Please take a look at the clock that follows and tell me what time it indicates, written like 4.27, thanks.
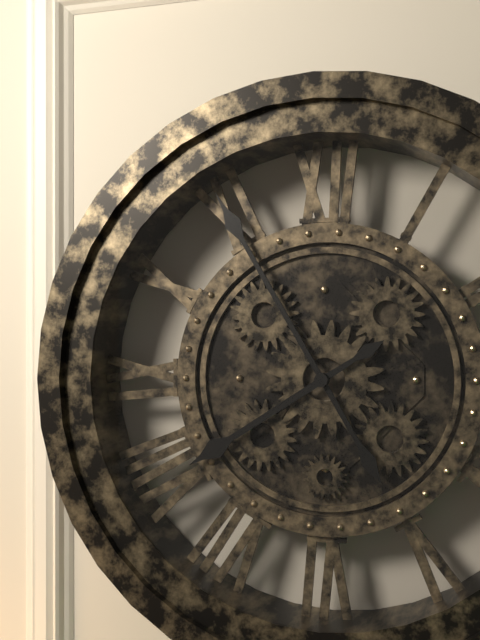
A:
7.55
